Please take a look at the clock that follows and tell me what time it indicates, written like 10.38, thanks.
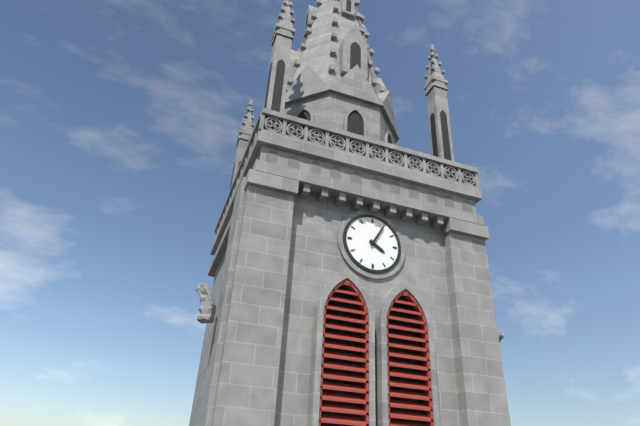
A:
4.05
